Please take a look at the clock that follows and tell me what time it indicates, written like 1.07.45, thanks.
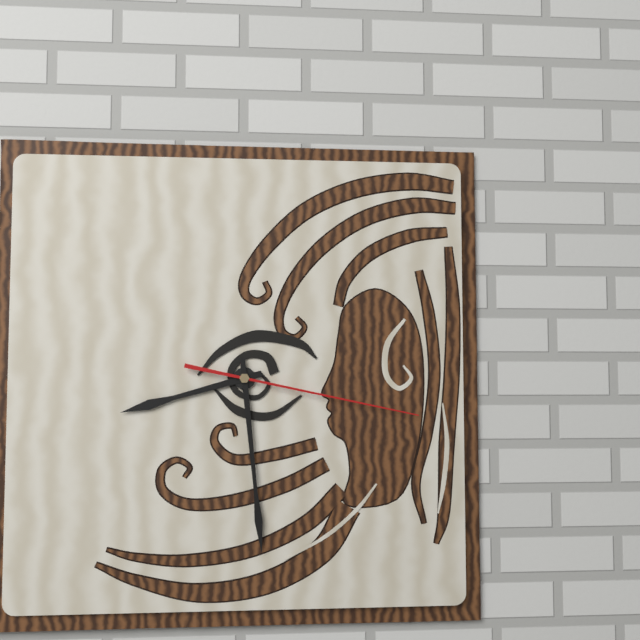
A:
8.29.17
